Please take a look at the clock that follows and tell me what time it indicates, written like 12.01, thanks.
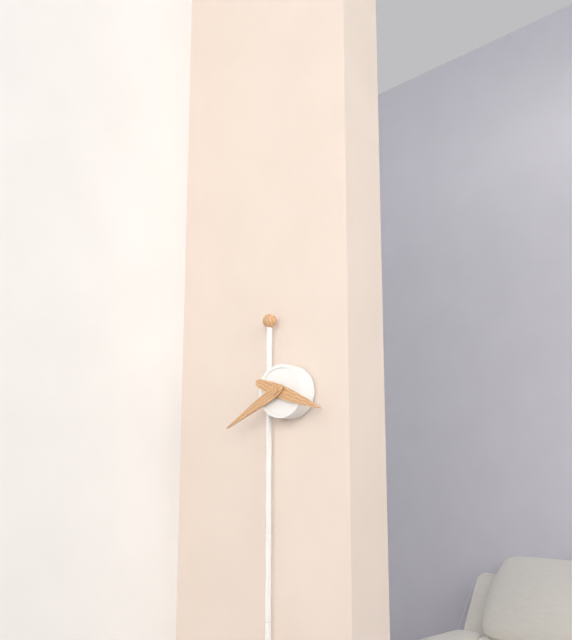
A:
3.40
